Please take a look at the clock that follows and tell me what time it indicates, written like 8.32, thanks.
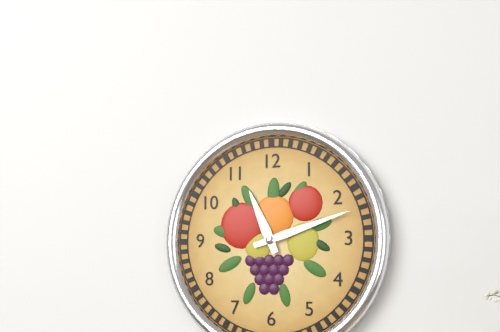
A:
11.12
